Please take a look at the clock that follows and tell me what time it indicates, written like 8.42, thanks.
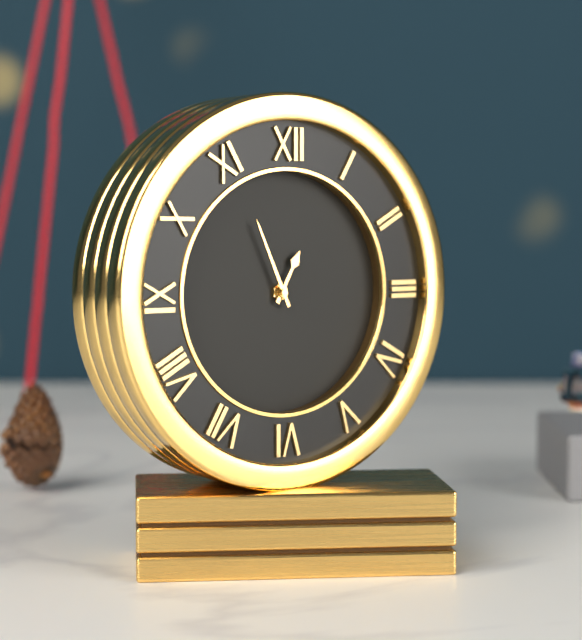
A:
12.56
